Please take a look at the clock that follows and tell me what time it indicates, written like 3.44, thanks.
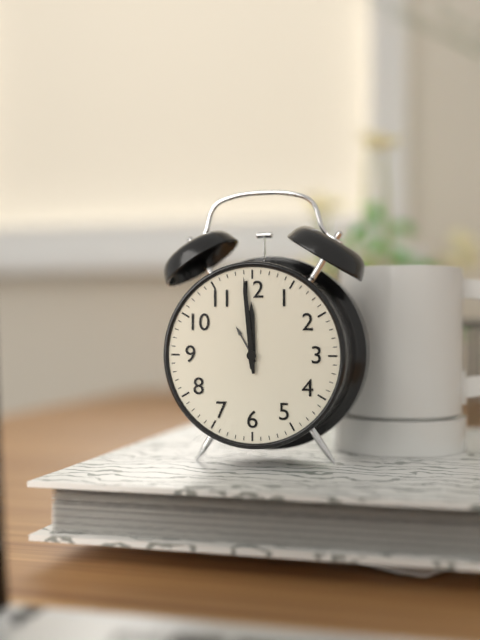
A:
11.59
